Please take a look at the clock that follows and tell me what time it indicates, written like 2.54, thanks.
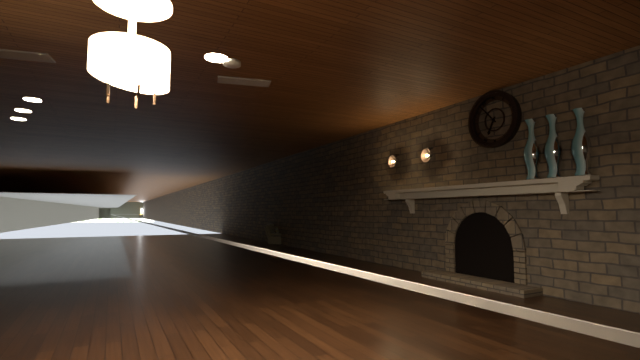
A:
6.53
